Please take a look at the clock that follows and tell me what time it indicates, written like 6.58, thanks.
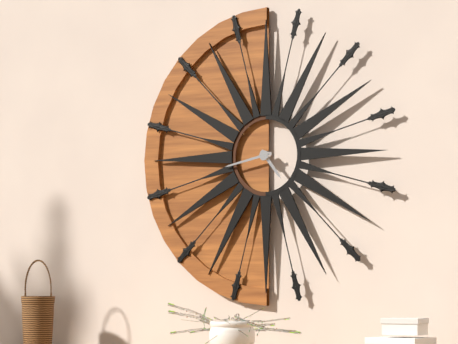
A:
4.43
